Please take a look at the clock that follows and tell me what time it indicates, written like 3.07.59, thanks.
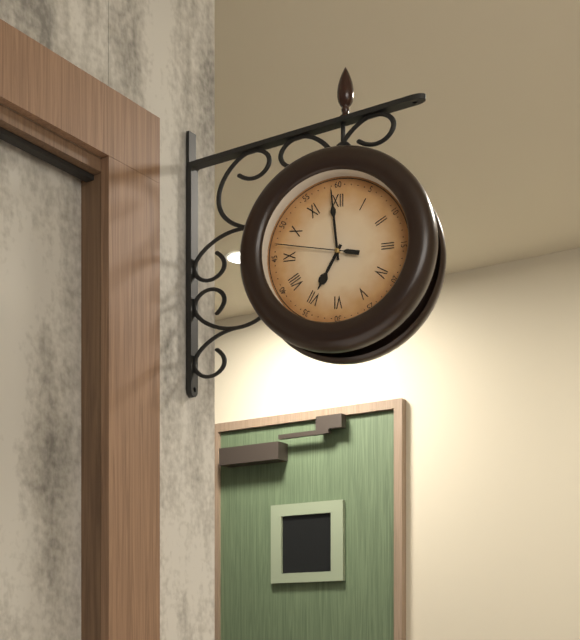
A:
6.59.47
